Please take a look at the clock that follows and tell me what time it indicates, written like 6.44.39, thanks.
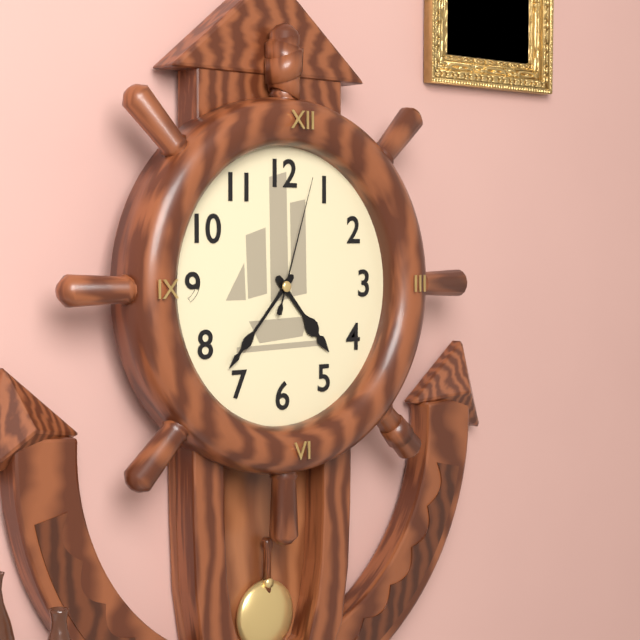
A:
4.37.03
